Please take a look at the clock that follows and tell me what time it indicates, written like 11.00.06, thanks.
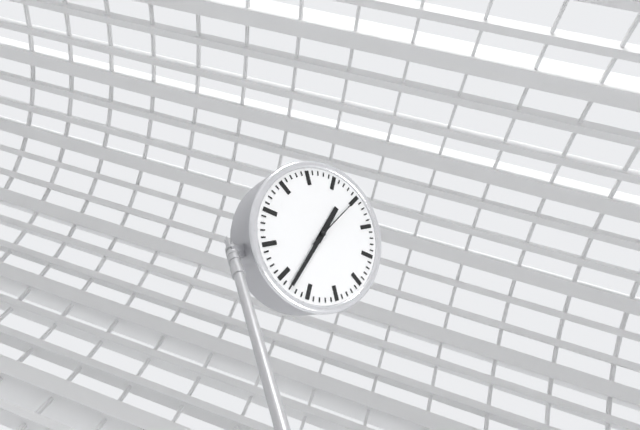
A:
12.33.05
